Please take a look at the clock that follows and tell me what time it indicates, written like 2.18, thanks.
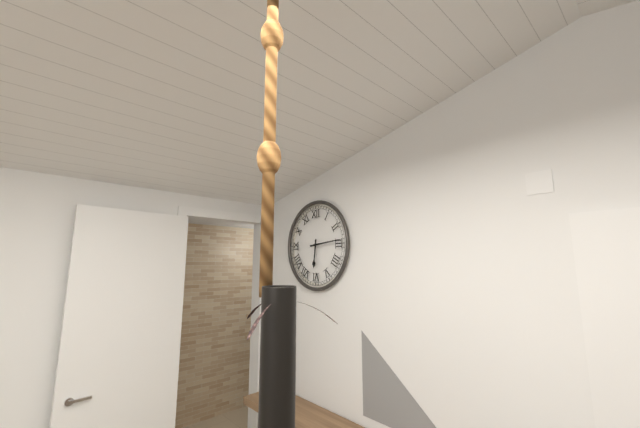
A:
6.14
